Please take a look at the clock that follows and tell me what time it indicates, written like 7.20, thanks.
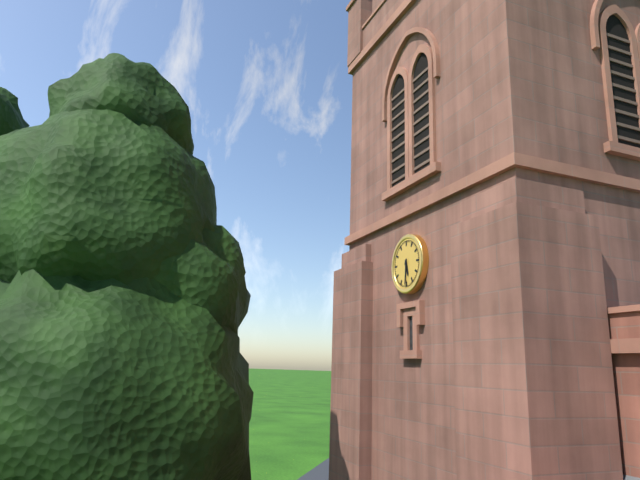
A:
5.31
